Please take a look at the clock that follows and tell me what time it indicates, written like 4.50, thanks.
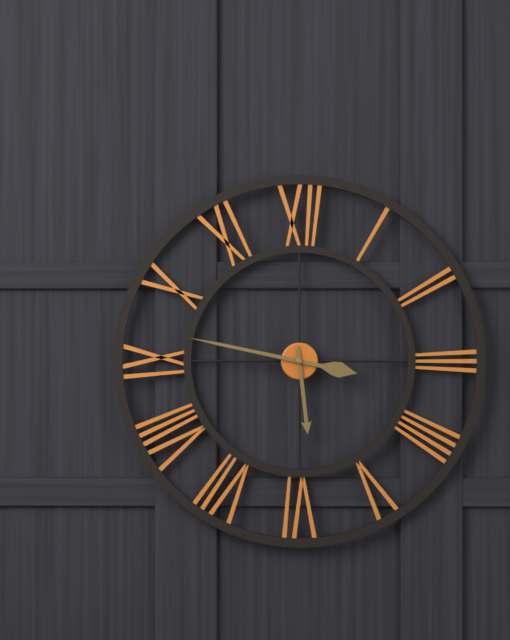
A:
5.47
